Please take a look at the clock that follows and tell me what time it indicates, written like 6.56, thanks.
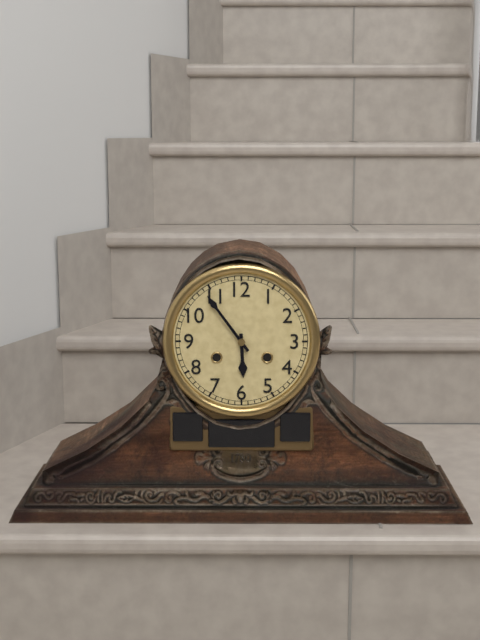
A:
5.54
